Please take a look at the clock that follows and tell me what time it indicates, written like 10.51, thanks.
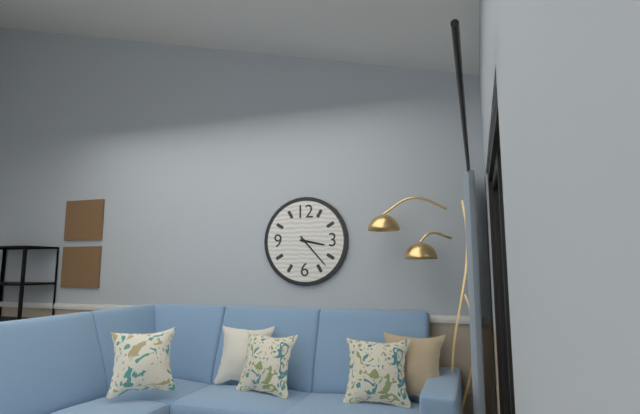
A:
3.23
